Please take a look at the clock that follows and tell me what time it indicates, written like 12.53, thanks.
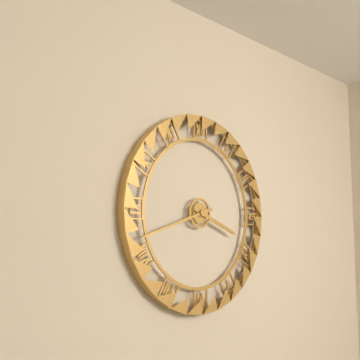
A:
3.42
